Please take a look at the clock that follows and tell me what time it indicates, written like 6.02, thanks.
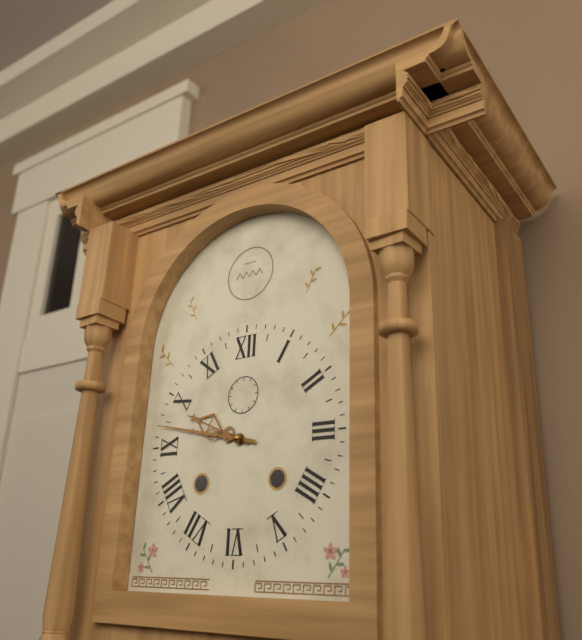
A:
9.47
